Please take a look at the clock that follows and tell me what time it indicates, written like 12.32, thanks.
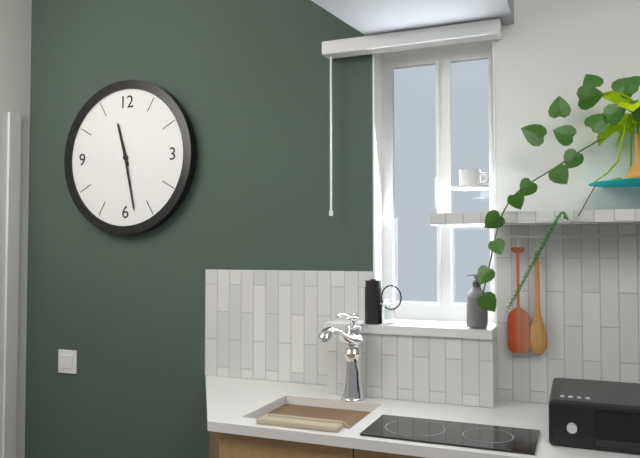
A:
11.28
